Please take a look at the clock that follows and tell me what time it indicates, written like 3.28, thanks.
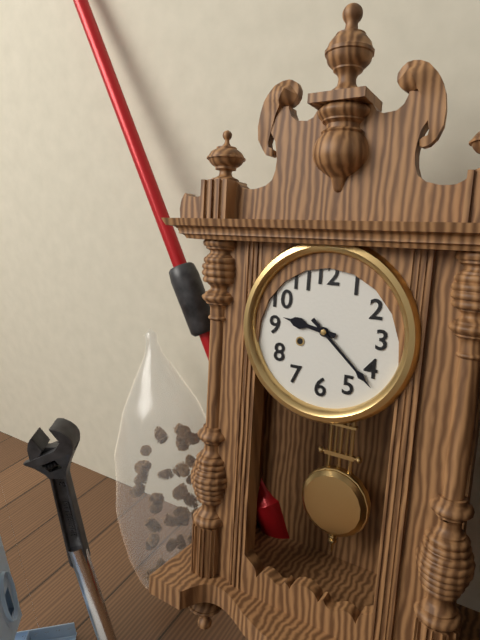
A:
9.22
